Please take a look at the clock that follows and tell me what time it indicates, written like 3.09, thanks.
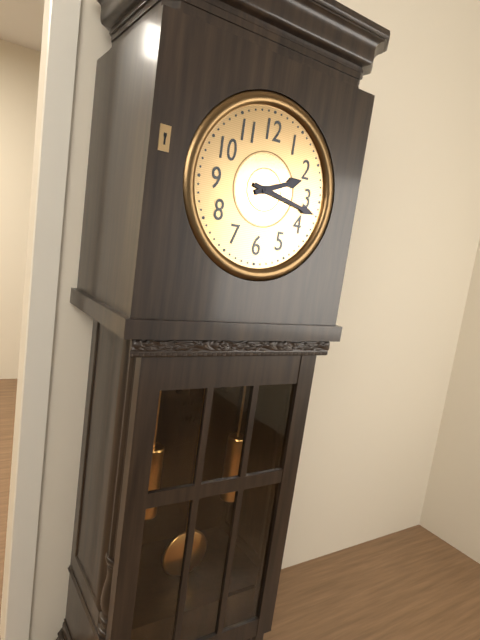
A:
2.17
